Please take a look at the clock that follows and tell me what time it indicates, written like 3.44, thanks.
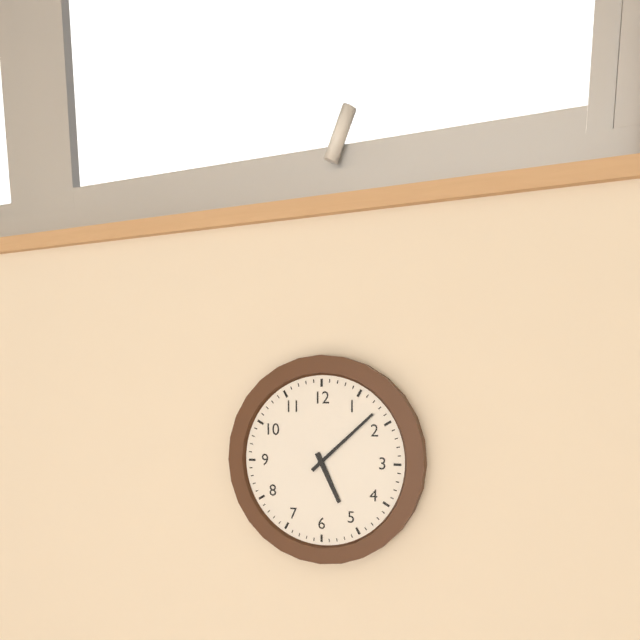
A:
5.08
